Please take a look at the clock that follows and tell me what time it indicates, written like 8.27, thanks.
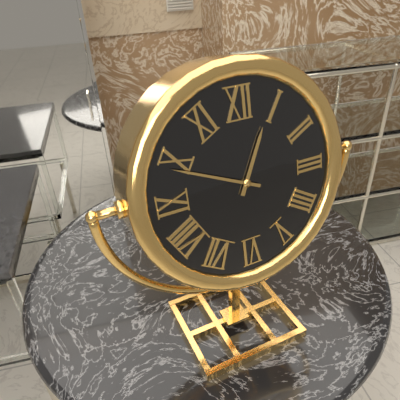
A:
12.49
